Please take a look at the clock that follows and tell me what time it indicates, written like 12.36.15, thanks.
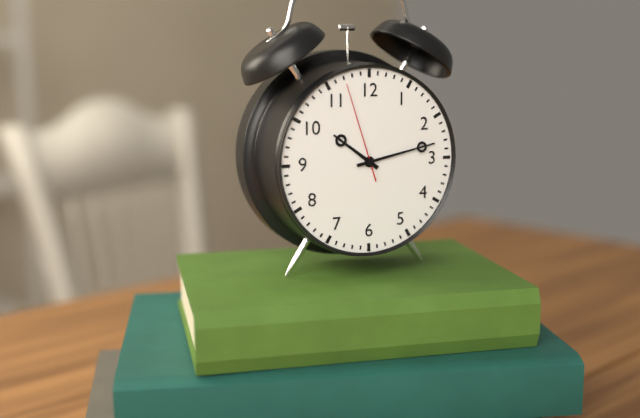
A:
10.13.57
